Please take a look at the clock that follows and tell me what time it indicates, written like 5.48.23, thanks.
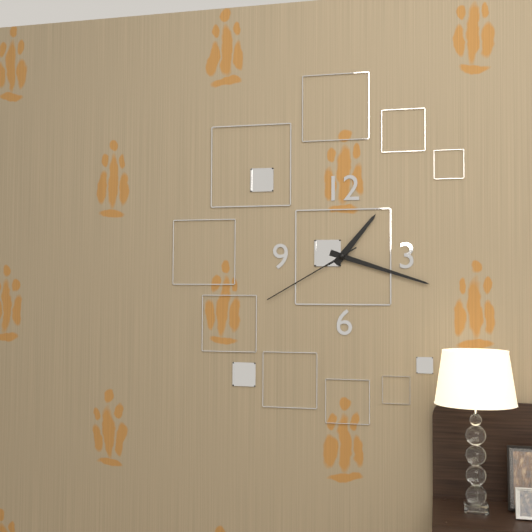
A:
1.18.40
